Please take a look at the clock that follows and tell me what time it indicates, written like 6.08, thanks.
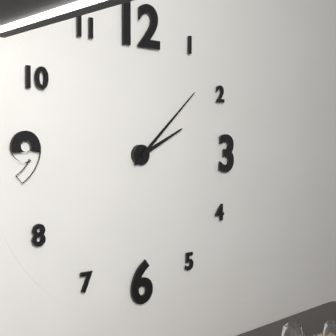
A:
2.08
